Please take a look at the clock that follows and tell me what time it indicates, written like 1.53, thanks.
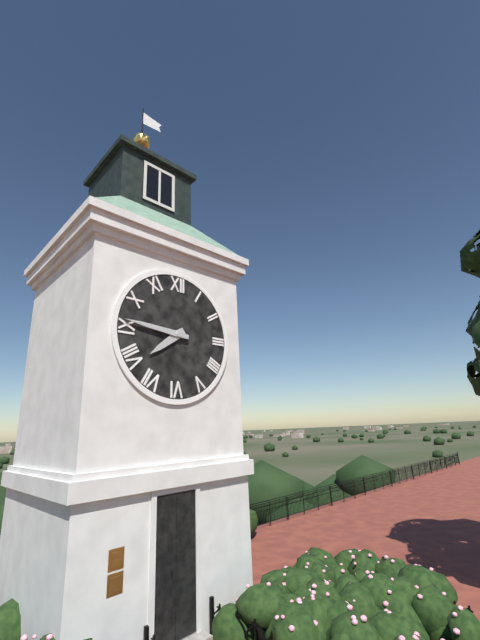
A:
7.46
